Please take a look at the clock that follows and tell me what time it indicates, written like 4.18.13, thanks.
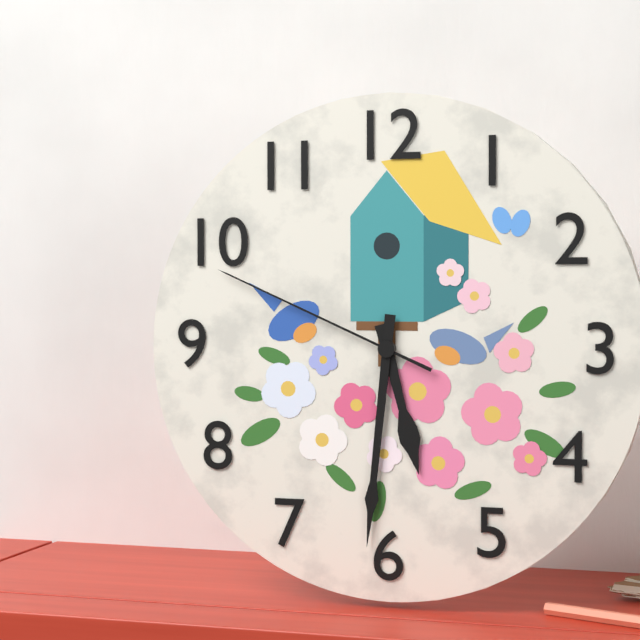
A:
5.31.49
